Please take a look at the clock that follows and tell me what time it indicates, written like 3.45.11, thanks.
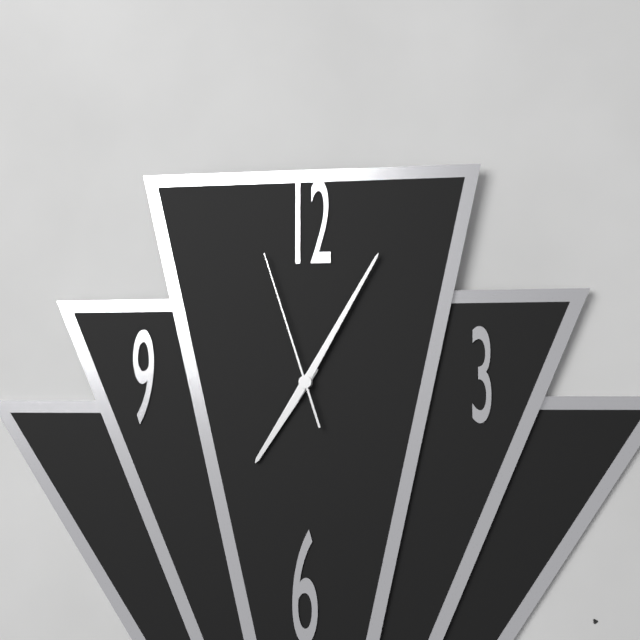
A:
7.05.57
